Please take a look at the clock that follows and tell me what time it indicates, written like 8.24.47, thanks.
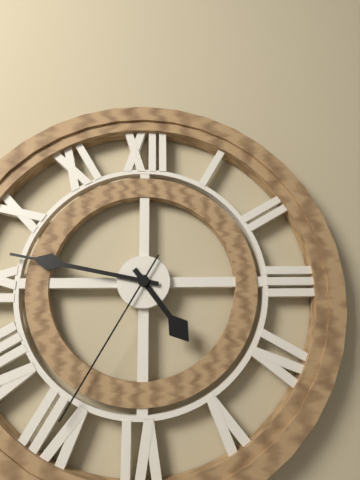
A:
4.47.35
